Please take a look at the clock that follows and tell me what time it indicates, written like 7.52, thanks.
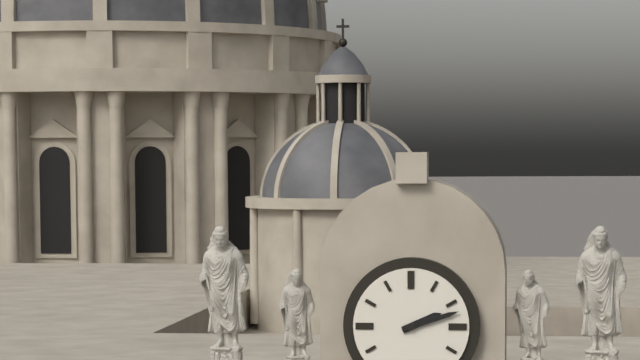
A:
2.12
